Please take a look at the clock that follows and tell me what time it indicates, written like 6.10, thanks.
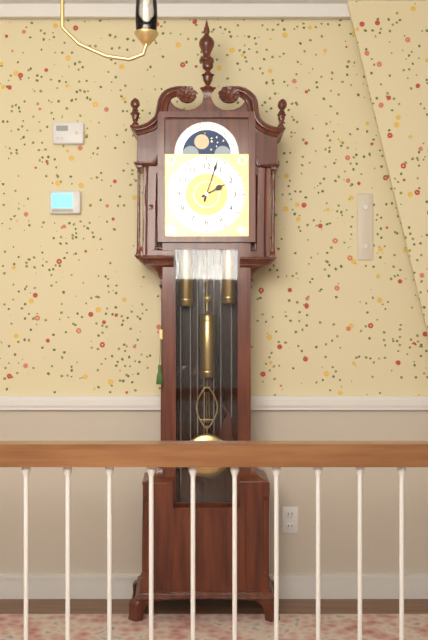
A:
2.03
